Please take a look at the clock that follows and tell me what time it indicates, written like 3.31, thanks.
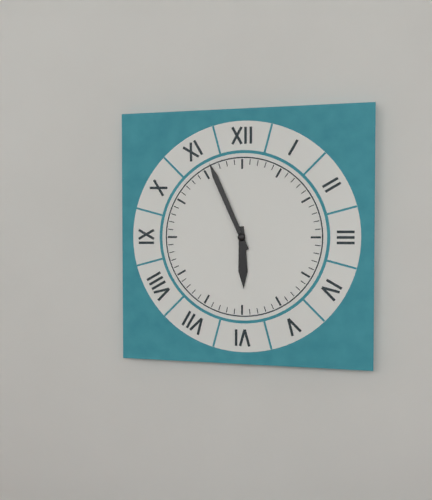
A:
5.56
